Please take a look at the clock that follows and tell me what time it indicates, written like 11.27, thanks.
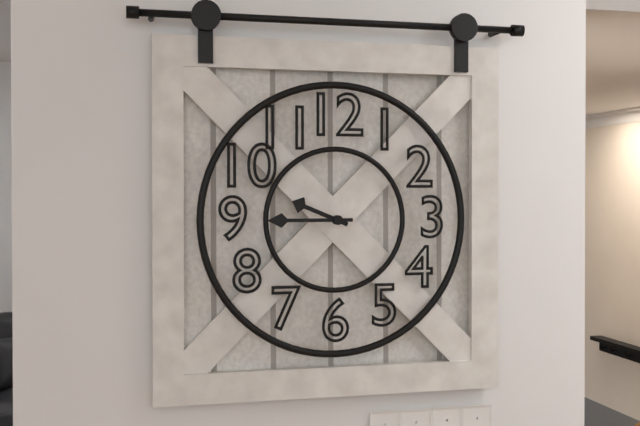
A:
9.45
